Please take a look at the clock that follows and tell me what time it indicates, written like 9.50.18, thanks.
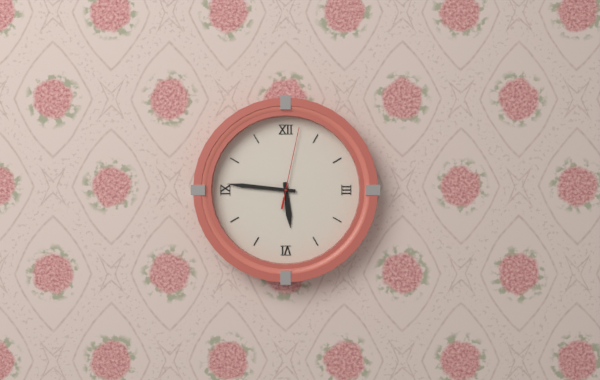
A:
5.46.02
